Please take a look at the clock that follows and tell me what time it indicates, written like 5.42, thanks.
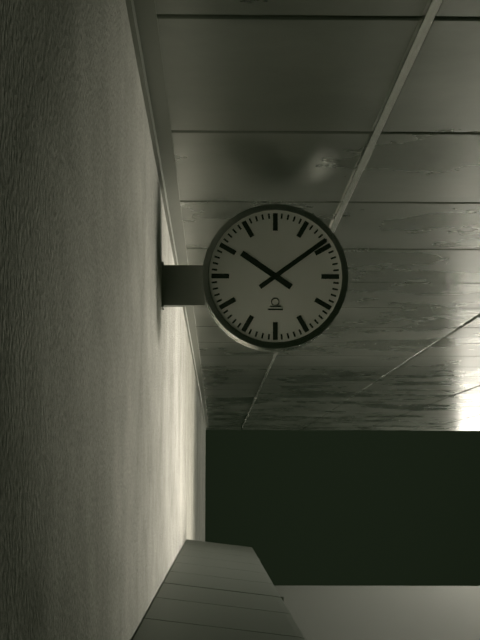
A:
10.09
